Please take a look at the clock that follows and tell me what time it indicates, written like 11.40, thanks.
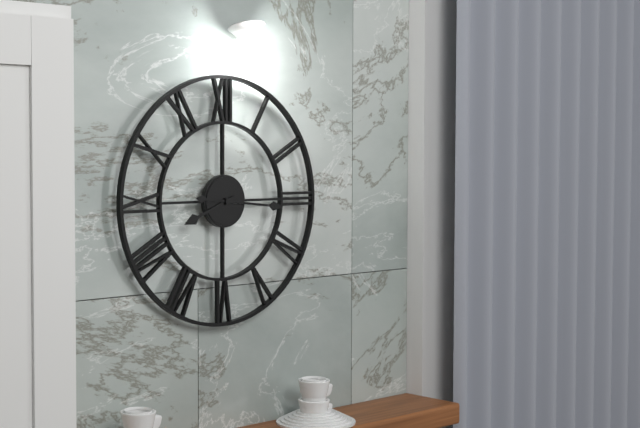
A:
8.16
